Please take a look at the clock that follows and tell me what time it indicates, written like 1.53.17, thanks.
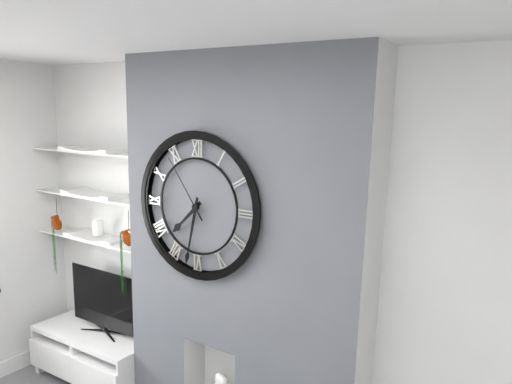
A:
7.32.54
